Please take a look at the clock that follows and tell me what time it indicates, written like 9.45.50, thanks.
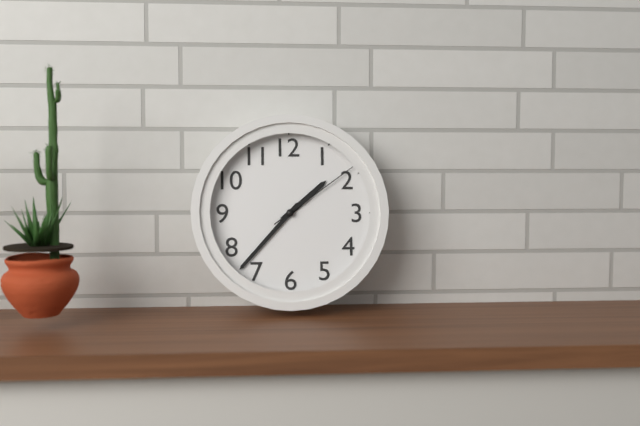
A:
1.37.09
